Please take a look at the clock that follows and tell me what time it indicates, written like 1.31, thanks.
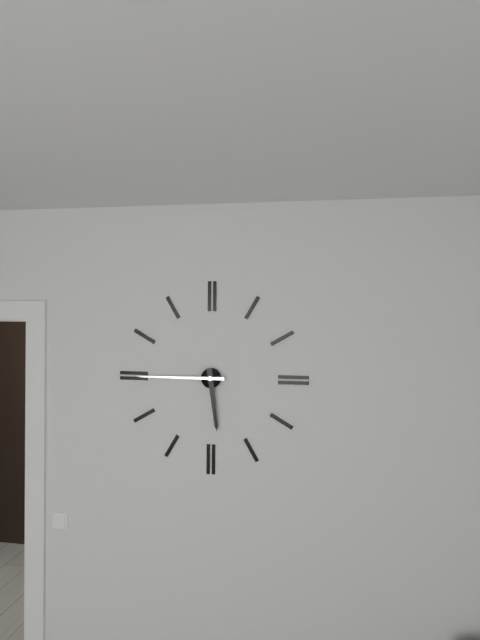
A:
5.45
